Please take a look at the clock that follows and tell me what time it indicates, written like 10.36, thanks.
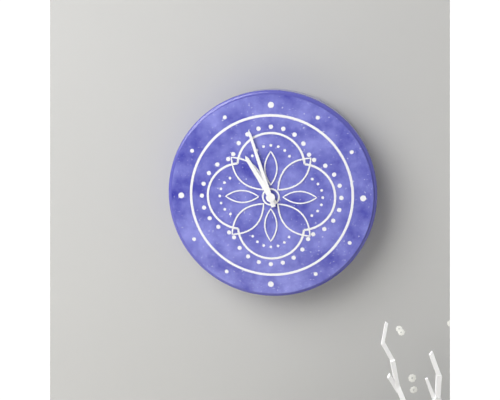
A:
10.57
